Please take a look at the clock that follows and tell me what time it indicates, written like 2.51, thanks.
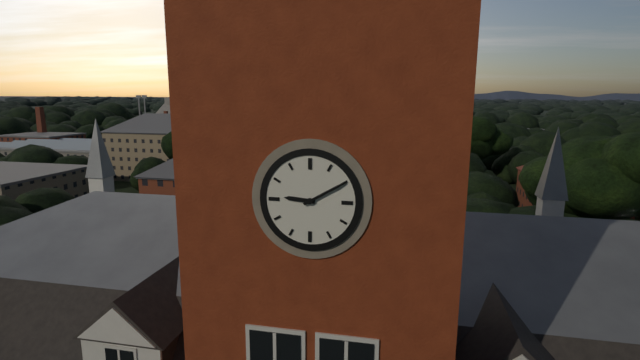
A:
9.10
